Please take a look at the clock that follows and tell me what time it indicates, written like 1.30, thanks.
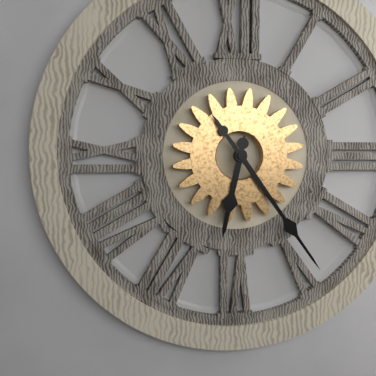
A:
6.24
